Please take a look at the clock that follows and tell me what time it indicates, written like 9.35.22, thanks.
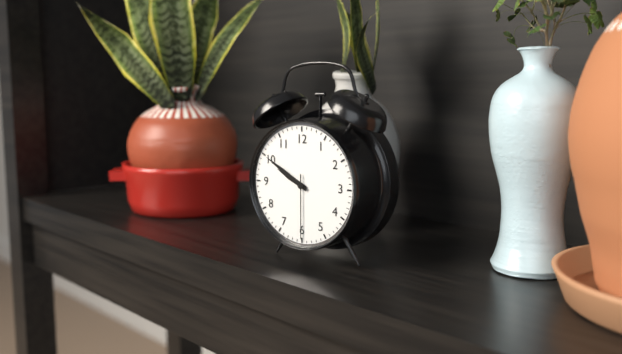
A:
9.50.30
